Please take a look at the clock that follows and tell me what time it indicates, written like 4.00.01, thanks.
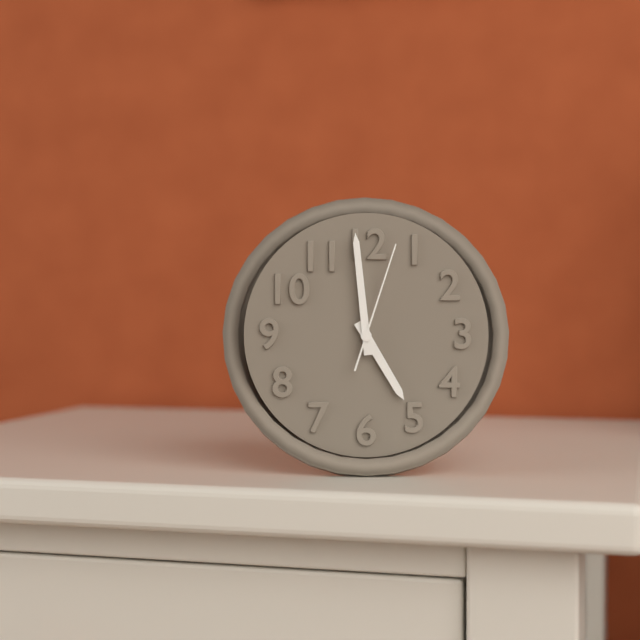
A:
4.59.03
